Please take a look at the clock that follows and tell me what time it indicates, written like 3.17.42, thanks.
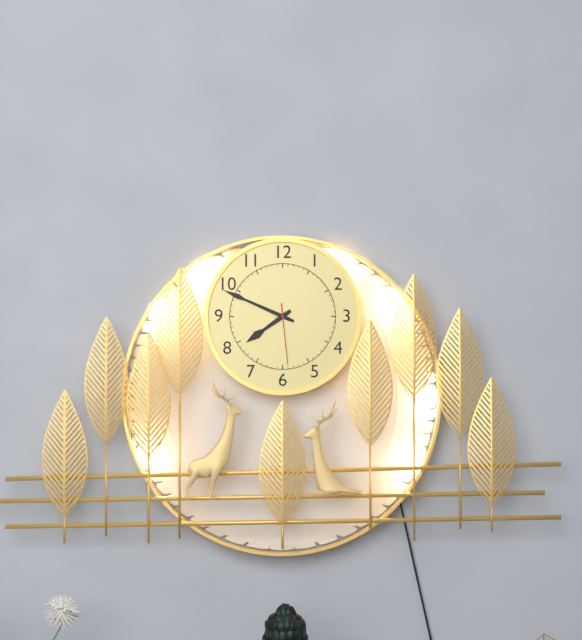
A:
7.49.29
